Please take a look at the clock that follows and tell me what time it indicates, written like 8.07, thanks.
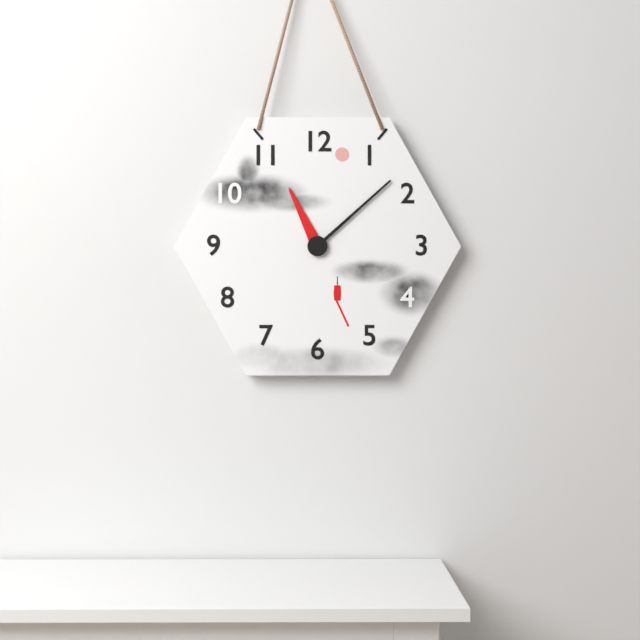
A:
11.08
